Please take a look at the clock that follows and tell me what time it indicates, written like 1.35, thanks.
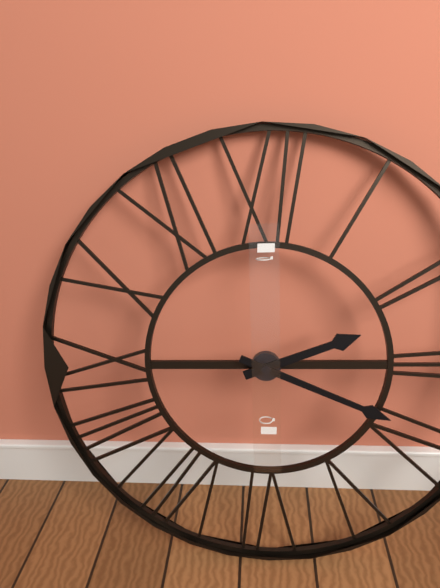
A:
2.19
